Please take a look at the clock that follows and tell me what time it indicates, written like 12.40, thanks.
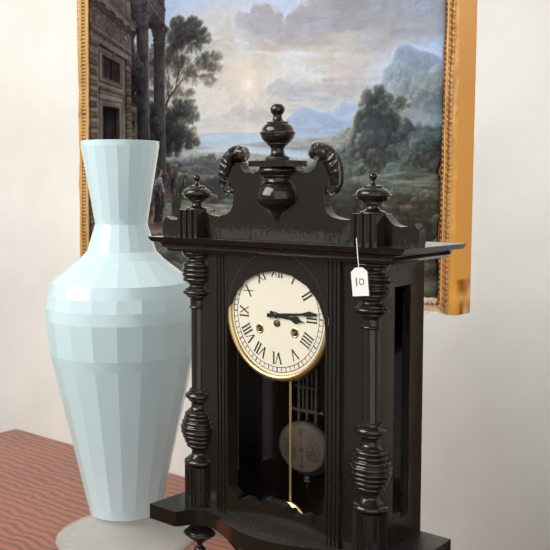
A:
3.14
